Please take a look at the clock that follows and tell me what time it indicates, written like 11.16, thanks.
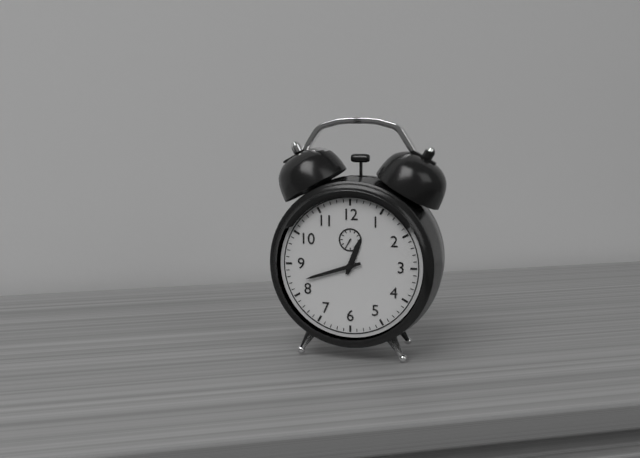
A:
12.42
